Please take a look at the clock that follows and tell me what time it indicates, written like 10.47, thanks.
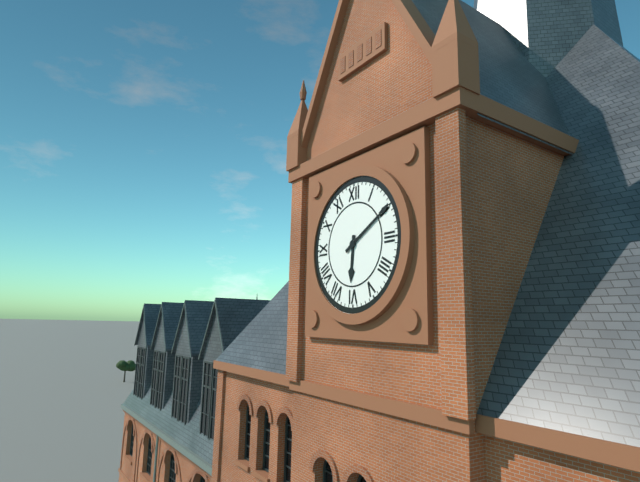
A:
6.10
